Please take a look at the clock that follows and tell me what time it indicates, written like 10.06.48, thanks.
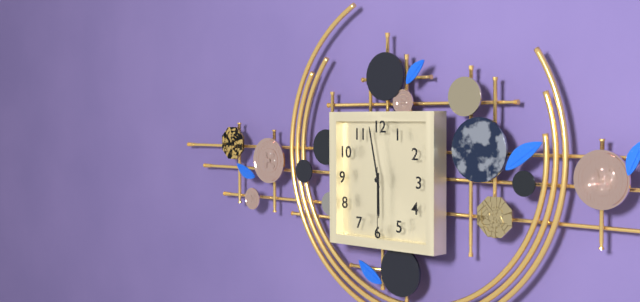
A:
5.58.30
